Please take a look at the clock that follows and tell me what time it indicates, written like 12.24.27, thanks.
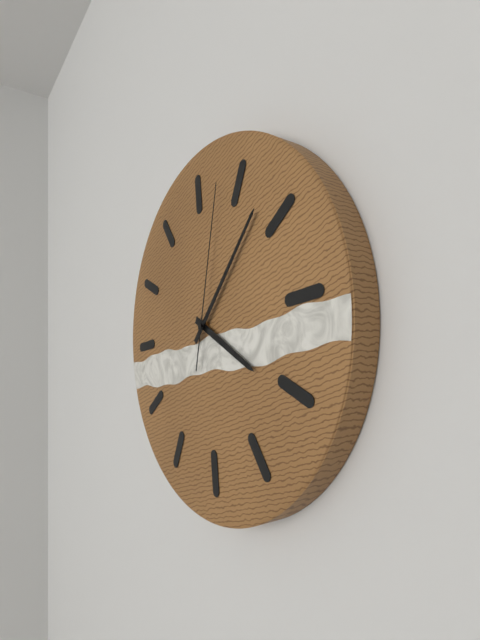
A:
4.08.03
